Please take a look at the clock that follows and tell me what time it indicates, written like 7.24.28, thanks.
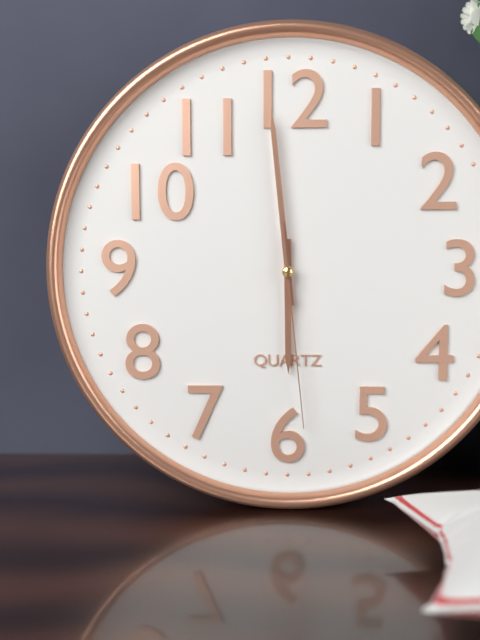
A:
5.59.29
